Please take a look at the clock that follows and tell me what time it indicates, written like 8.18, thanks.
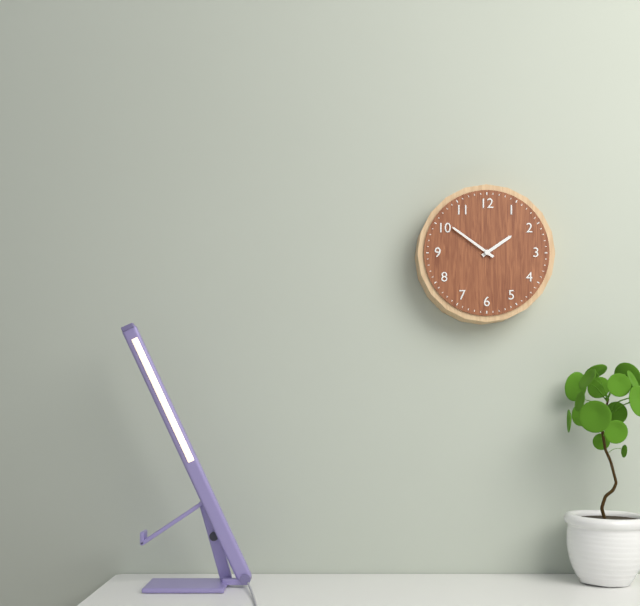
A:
1.51
